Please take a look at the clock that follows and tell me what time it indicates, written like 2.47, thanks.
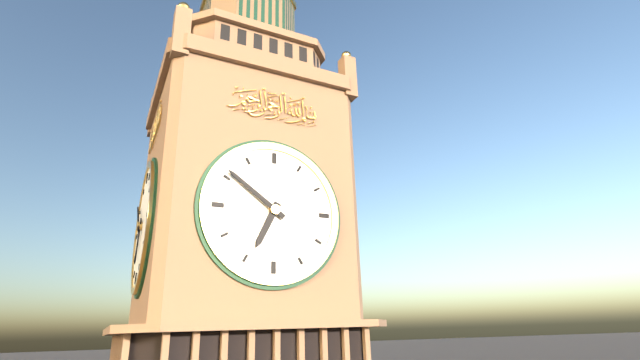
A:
6.51
